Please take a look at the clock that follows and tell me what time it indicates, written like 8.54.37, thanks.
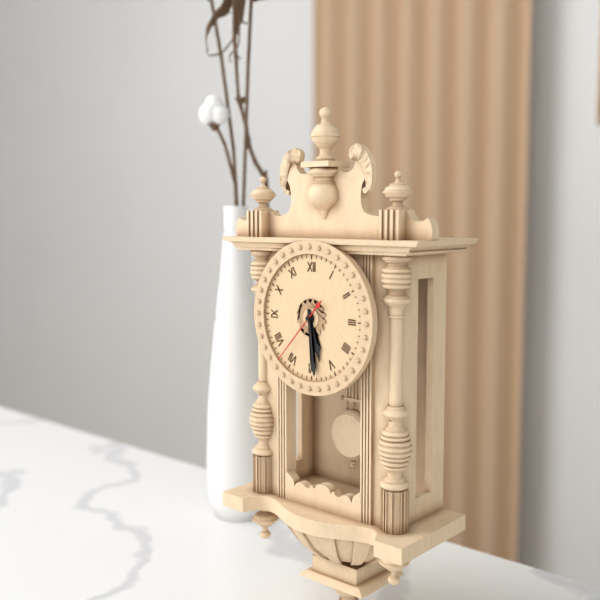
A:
5.29.37
